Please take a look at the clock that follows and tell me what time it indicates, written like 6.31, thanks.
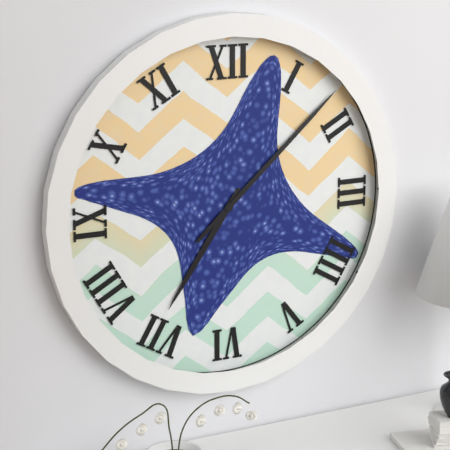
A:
7.08
